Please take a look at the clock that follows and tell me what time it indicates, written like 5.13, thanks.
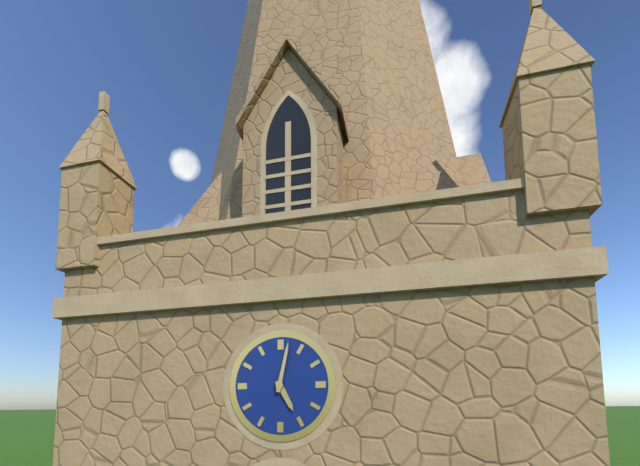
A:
5.02
